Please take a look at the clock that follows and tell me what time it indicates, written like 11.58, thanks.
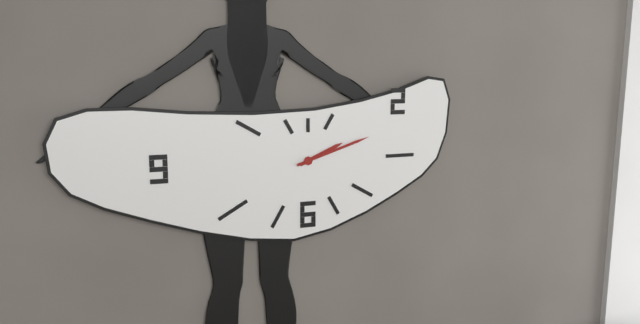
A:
2.12
